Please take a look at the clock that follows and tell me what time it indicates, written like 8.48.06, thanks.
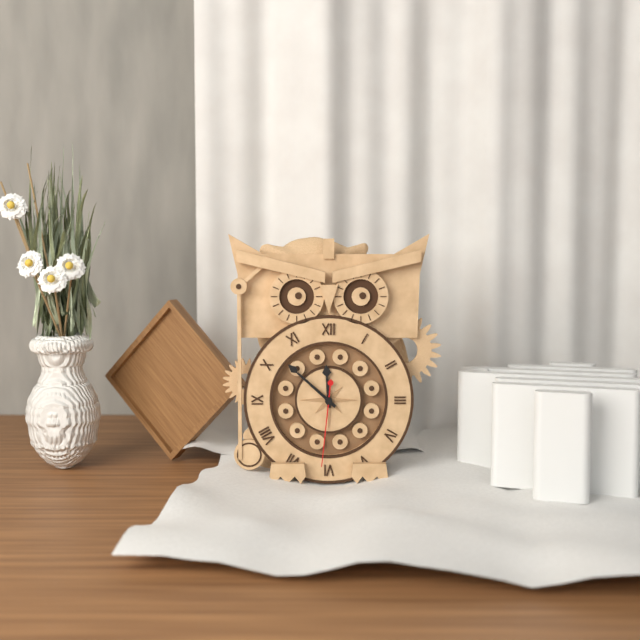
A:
11.52.31
